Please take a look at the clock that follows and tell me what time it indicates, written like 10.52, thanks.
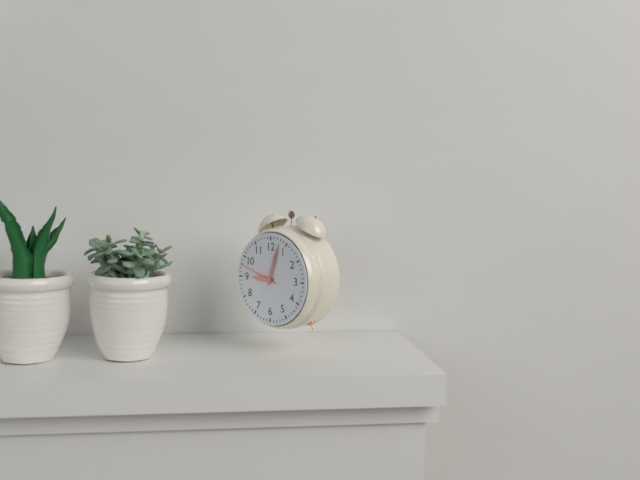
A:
9.03
